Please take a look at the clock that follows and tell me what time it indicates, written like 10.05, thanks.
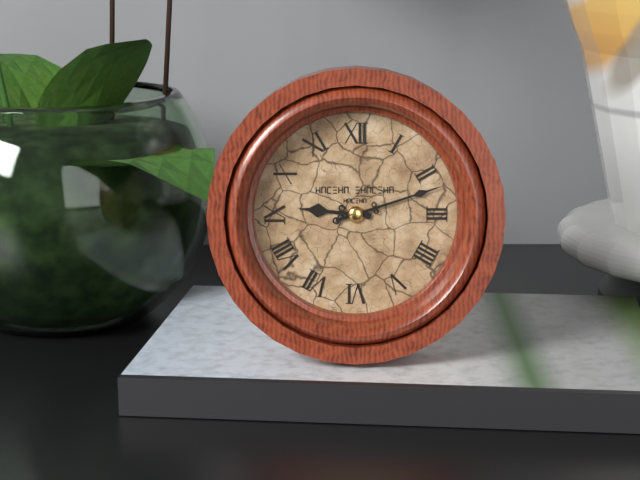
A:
9.12
